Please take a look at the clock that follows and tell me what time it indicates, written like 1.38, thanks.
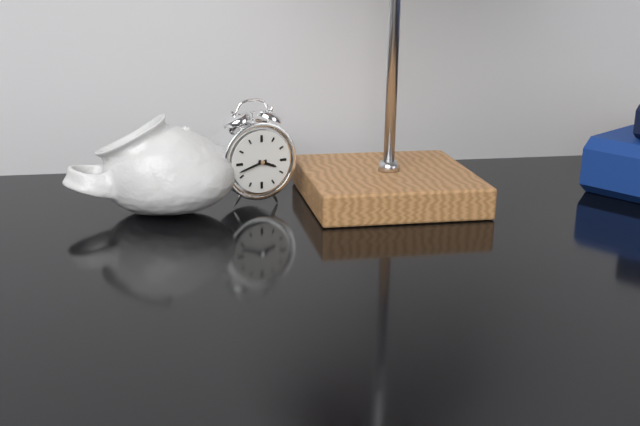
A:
3.42
